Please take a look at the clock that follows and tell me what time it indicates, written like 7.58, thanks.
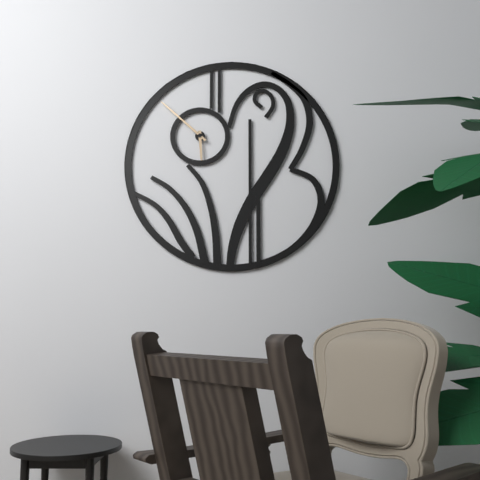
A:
5.52
